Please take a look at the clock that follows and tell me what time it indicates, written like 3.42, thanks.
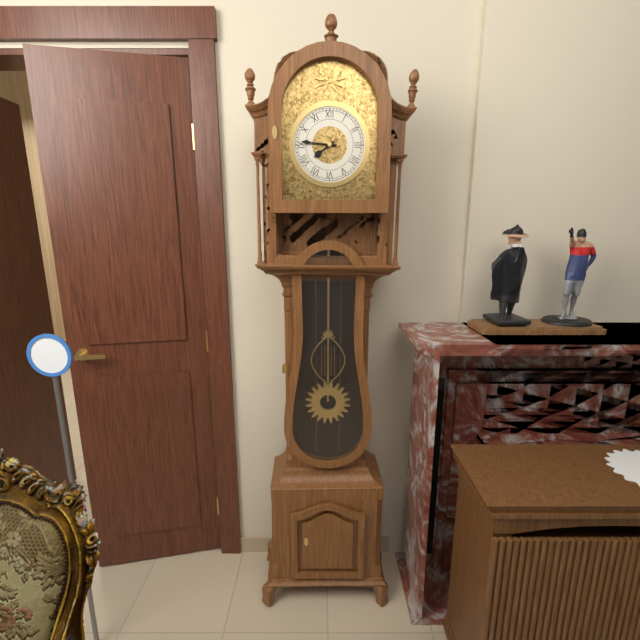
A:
7.46
